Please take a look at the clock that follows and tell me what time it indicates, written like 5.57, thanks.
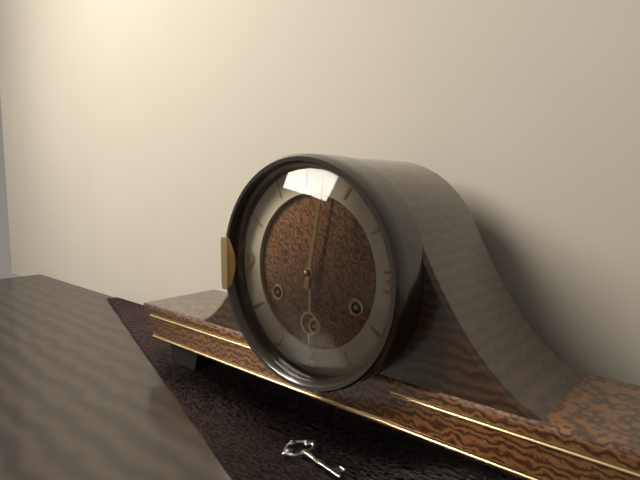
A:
6.02
